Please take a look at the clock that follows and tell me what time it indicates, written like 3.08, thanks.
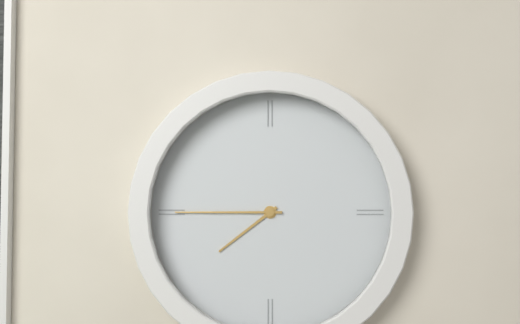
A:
7.45
